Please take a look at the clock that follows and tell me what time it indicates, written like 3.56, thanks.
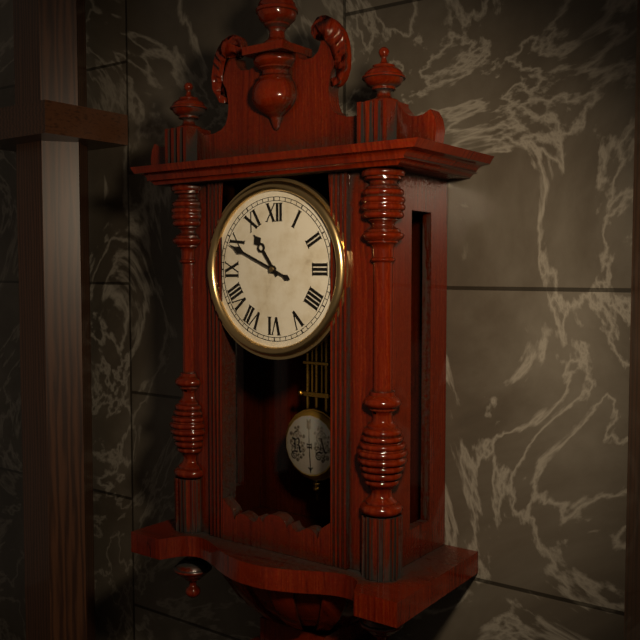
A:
10.49
